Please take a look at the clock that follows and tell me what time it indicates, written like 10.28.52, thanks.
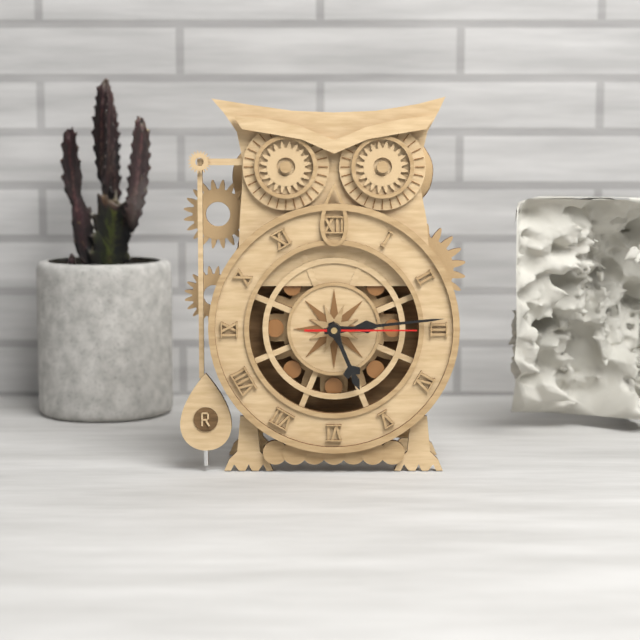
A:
5.14.15
